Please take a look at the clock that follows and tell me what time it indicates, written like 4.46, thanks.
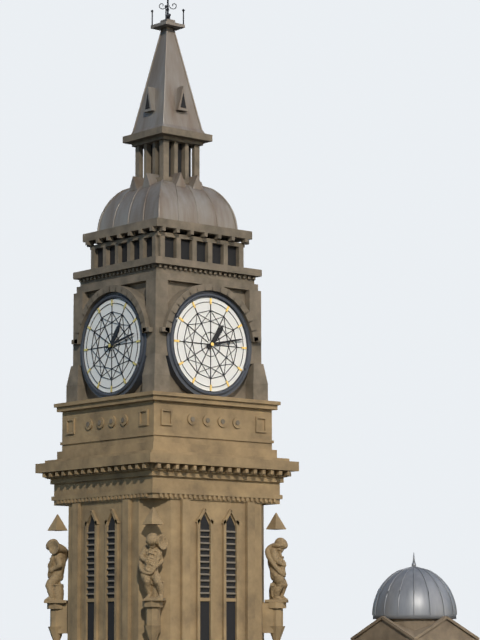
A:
1.13
